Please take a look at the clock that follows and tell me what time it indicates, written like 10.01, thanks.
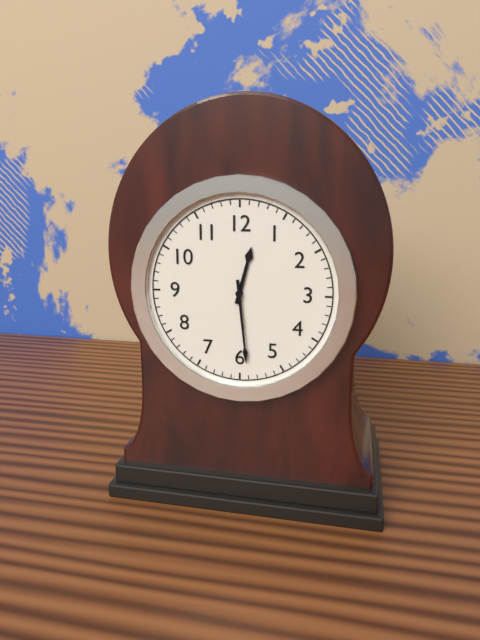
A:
12.29
